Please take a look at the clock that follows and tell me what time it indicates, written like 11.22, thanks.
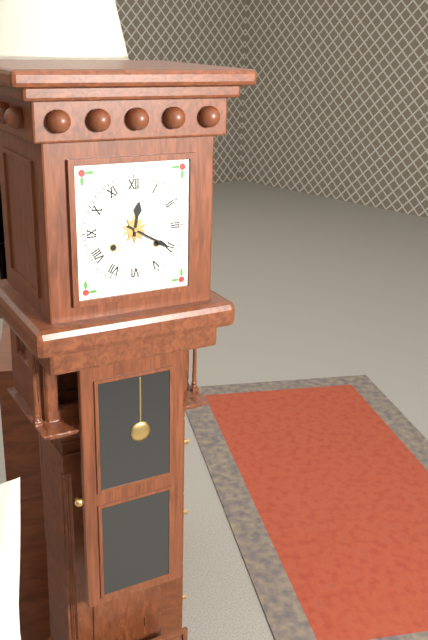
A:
12.20
